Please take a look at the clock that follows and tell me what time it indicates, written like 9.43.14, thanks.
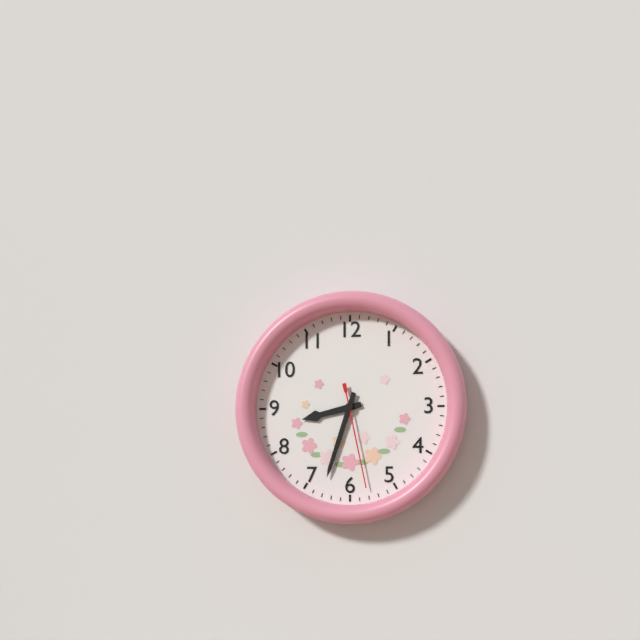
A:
8.33.28
